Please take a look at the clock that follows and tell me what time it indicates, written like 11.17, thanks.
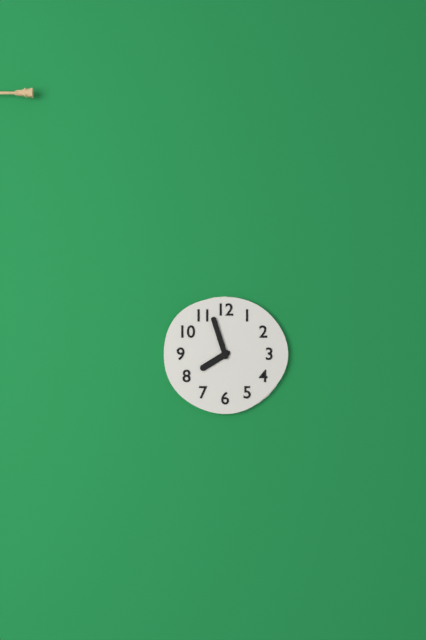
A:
7.57
